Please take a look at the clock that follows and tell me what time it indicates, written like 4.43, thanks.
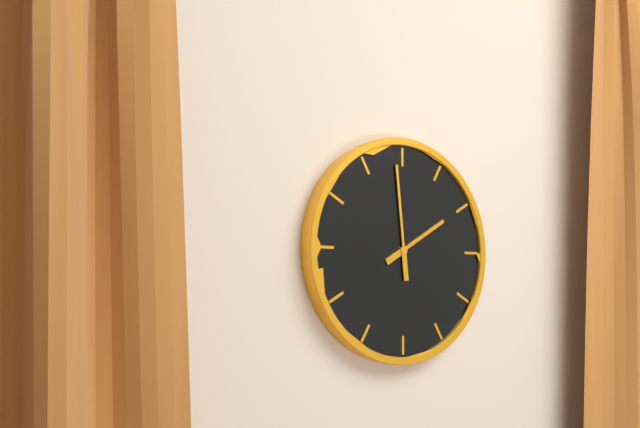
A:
1.59
